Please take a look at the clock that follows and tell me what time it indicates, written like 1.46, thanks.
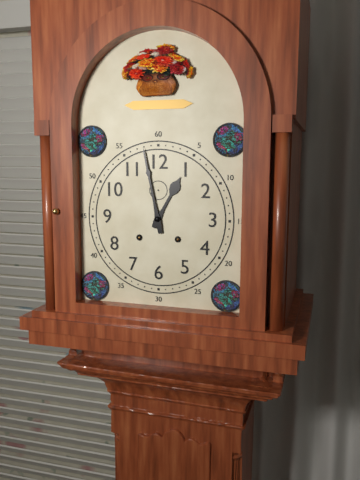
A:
12.58
